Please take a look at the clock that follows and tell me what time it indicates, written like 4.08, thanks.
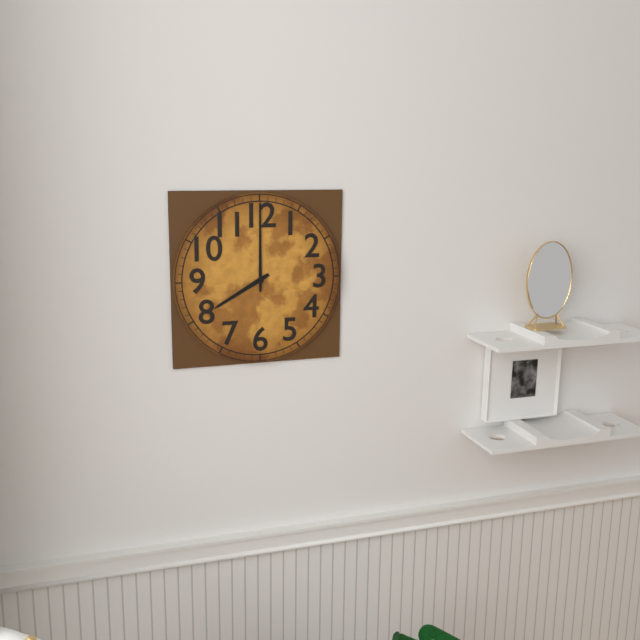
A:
8.00
